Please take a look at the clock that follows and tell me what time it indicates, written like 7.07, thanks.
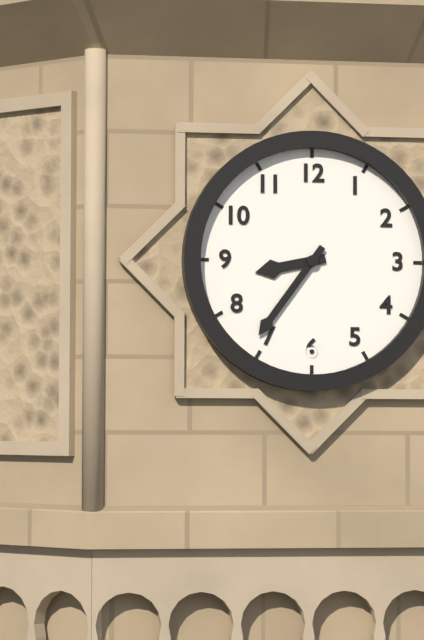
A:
8.36
